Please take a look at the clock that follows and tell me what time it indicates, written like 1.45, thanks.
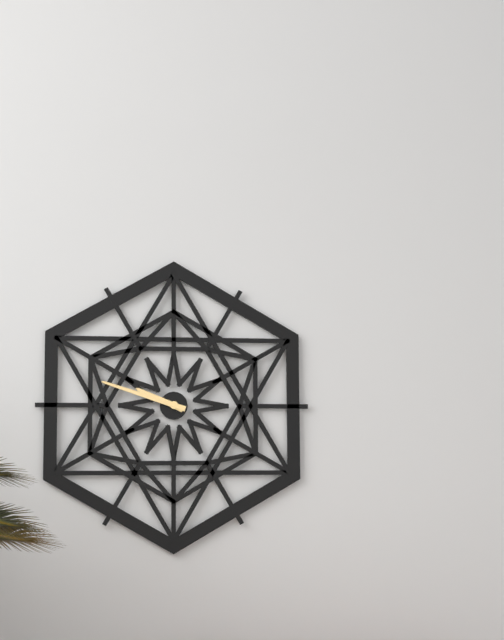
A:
9.48
